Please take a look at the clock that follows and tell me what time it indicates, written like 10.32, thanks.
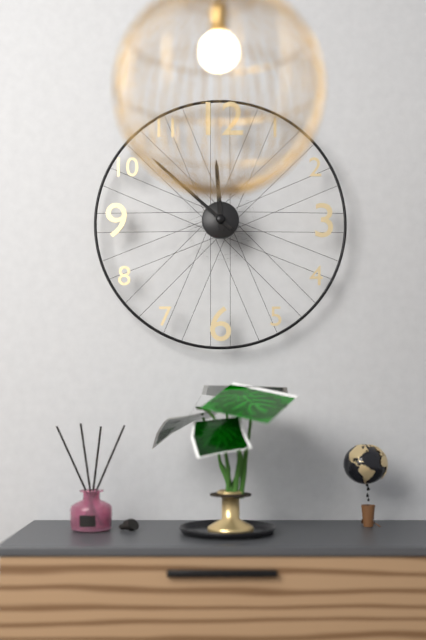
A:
11.52
